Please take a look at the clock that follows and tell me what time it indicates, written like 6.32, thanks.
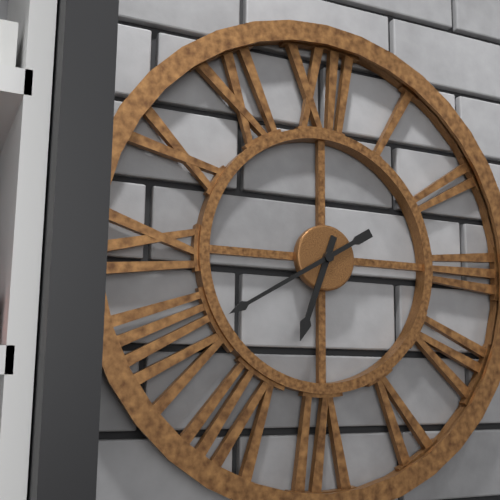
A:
6.40
